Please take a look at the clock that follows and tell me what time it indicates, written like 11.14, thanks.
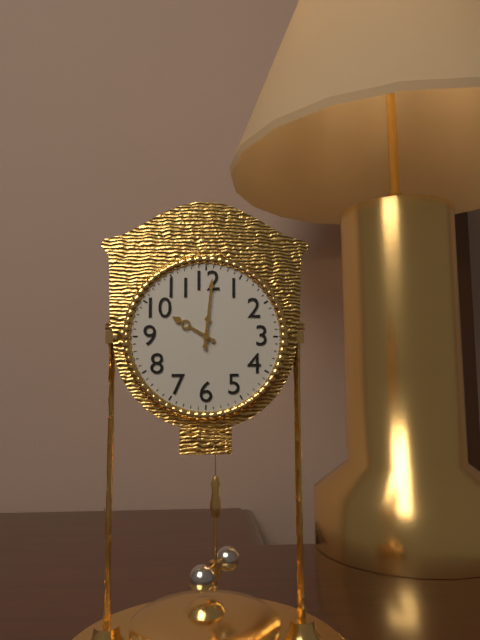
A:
10.01
